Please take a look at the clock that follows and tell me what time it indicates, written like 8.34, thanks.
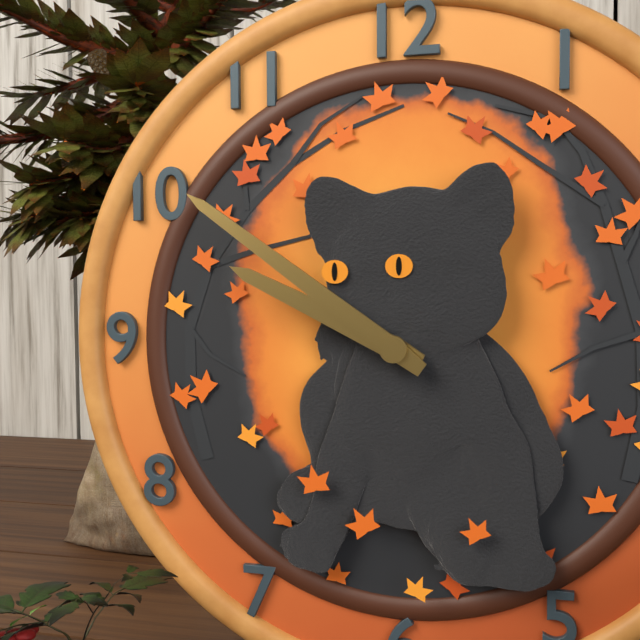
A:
9.51
